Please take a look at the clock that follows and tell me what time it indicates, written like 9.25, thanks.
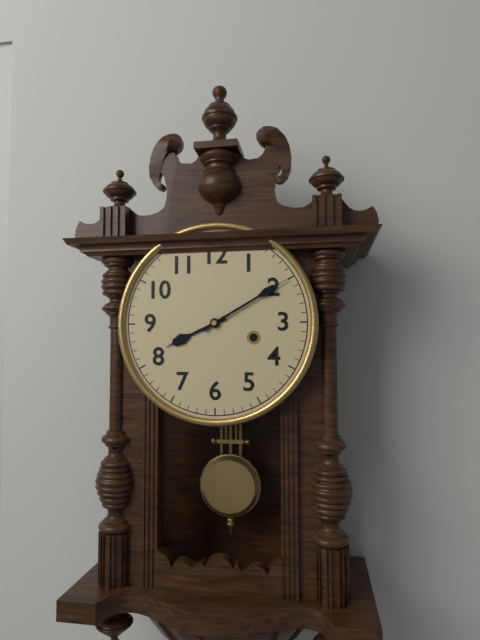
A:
8.10
